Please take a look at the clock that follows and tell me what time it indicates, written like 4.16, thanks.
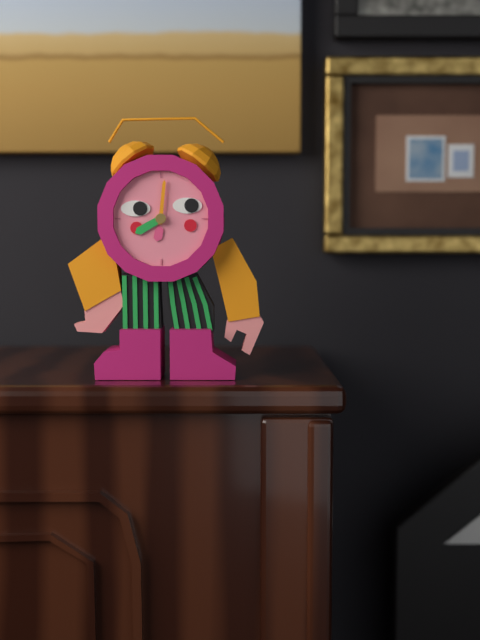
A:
8.01
